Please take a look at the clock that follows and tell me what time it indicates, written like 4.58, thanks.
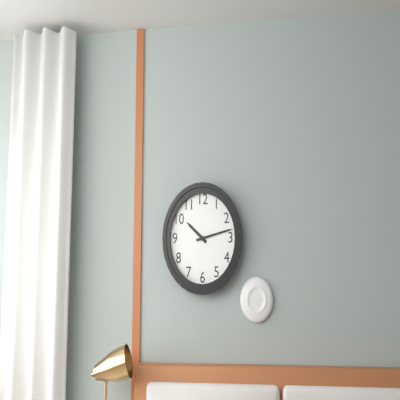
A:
10.13
